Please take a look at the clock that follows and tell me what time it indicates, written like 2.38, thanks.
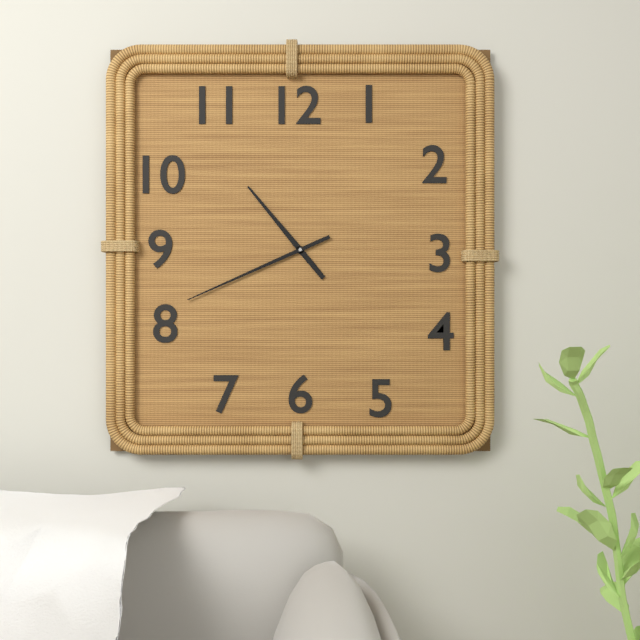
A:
10.41
